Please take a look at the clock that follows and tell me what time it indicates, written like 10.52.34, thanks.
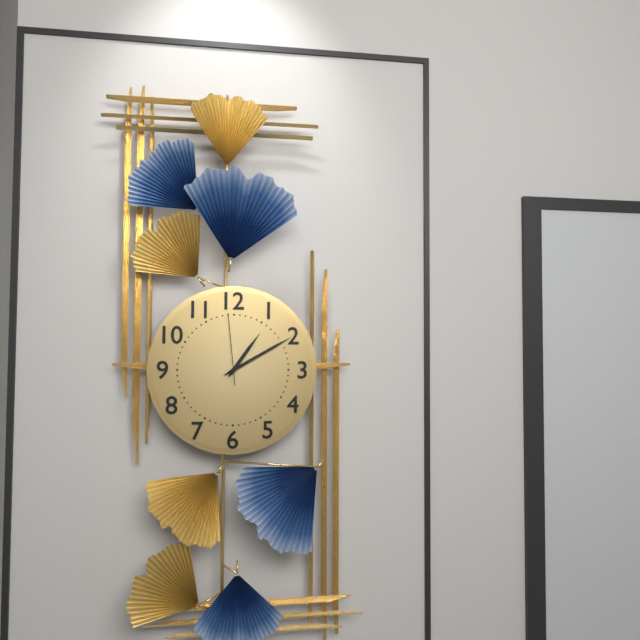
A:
1.10.59
